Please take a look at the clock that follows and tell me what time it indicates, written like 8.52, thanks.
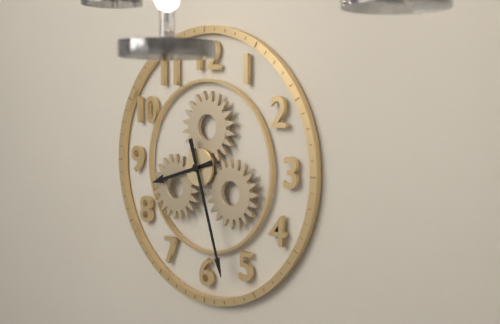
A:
8.27
